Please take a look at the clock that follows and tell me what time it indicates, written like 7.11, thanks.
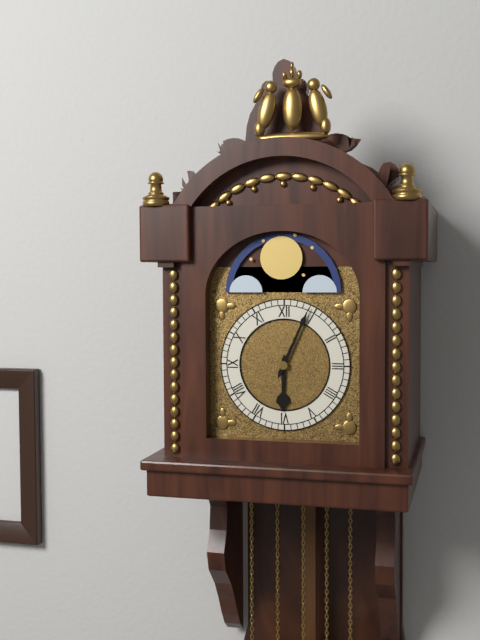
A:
6.04
